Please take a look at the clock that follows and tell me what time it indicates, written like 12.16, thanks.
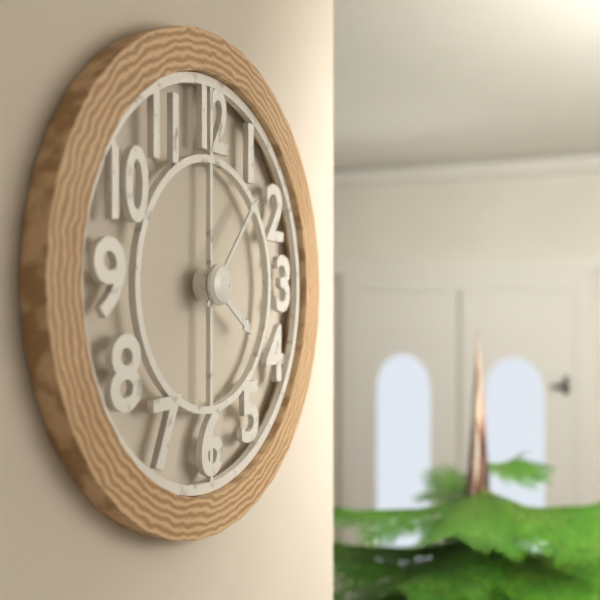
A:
4.07
